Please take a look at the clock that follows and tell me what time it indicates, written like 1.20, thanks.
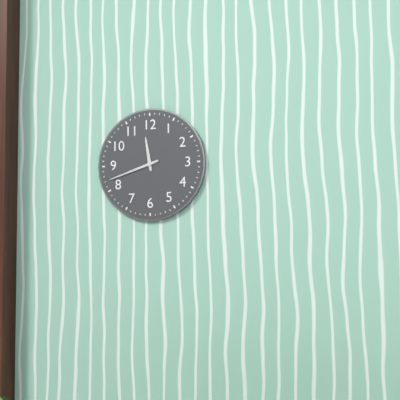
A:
11.42
